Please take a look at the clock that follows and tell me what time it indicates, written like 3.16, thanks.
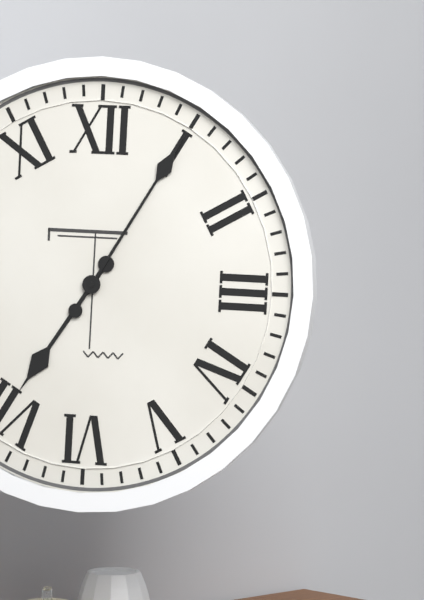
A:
7.05
